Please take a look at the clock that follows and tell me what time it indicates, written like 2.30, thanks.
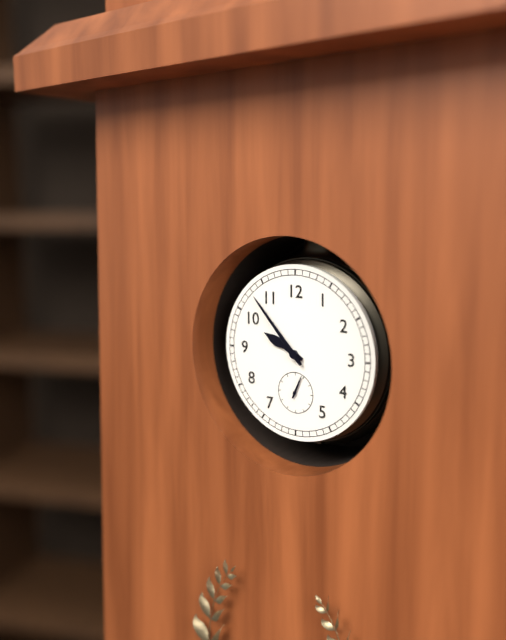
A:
9.53
